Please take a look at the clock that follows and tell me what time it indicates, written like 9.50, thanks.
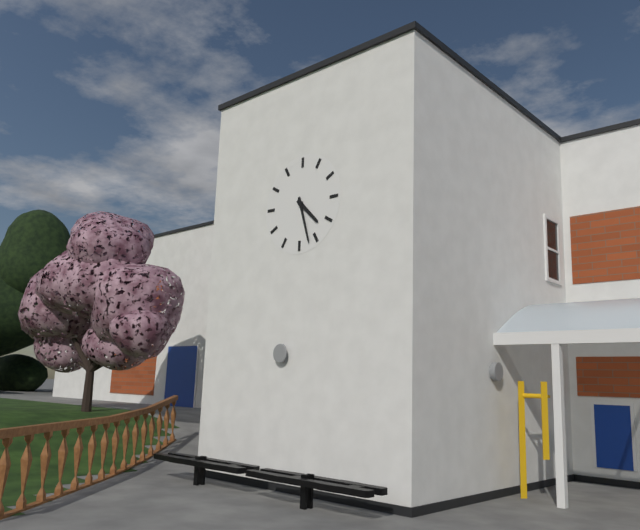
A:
4.27
